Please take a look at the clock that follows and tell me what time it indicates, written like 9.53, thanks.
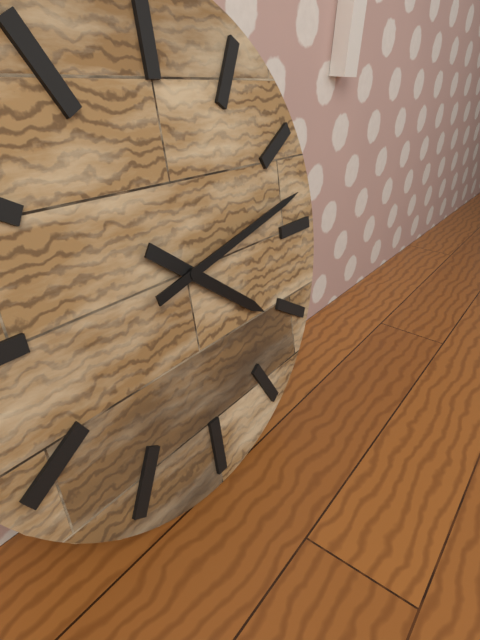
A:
4.13
